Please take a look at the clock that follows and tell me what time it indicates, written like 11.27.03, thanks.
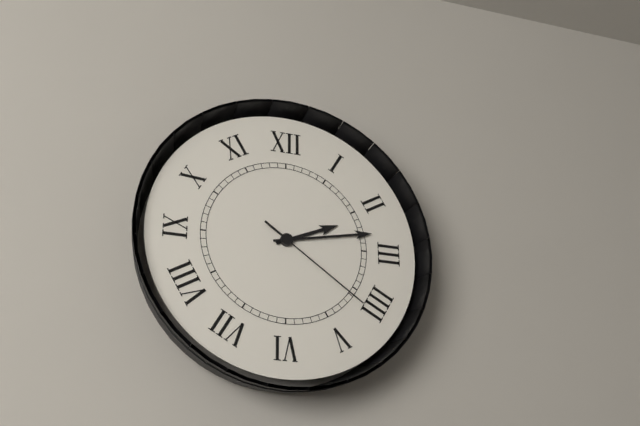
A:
2.13.21
